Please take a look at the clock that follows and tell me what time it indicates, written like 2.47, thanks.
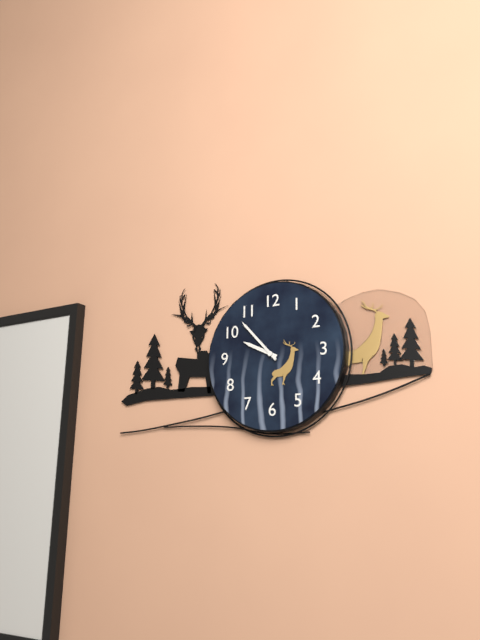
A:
9.53
